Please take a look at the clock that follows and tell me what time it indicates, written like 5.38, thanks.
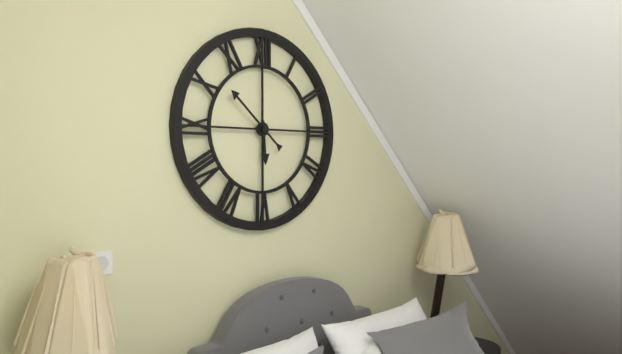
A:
5.52
